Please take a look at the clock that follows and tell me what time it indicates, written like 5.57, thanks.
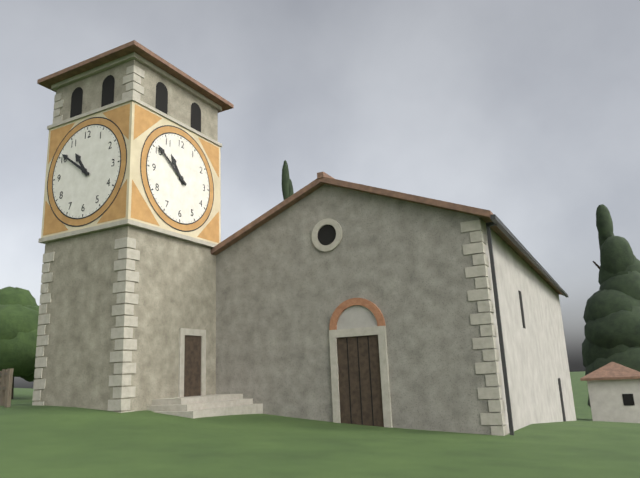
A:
10.51
